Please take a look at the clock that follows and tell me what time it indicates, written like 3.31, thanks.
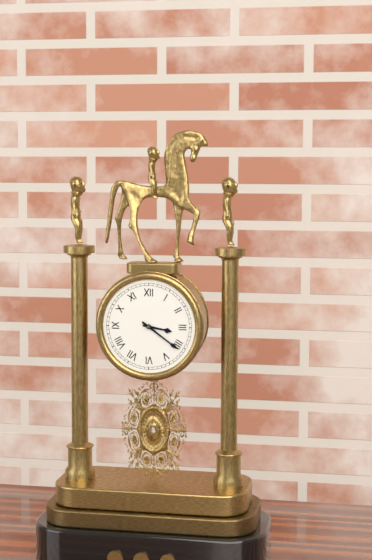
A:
3.21
